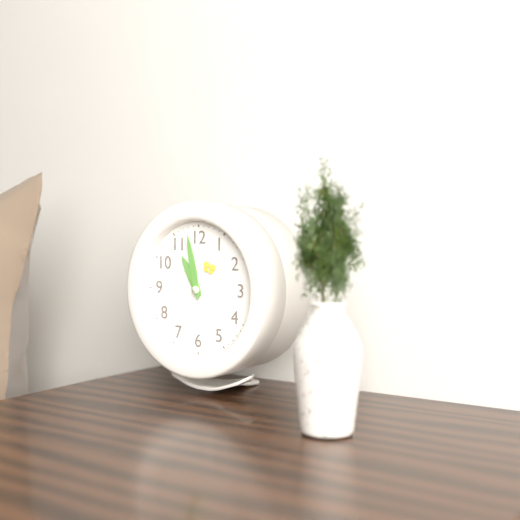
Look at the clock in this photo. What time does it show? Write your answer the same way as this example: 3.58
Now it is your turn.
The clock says 10.58
